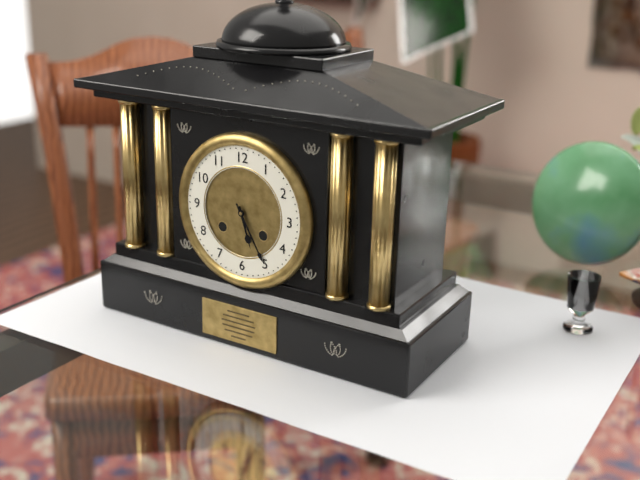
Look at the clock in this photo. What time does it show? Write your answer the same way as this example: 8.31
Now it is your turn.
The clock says 5.25
